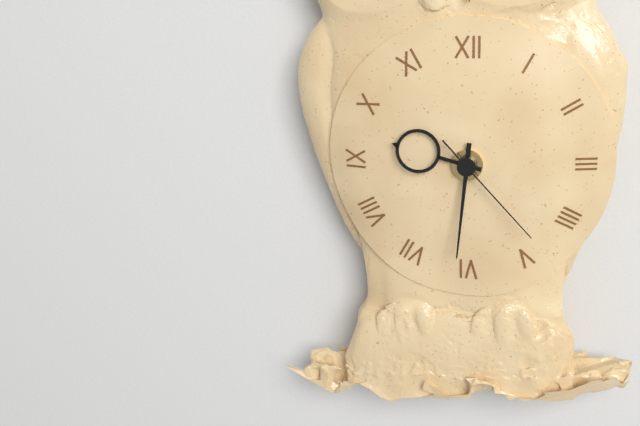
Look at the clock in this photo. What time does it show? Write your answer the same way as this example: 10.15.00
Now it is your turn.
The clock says 9.31.23
